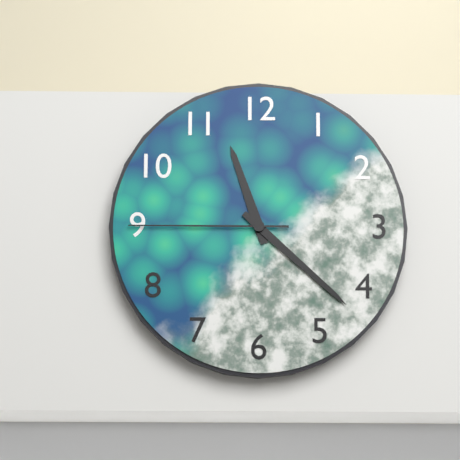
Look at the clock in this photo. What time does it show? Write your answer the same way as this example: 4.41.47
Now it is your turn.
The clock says 11.22.45
